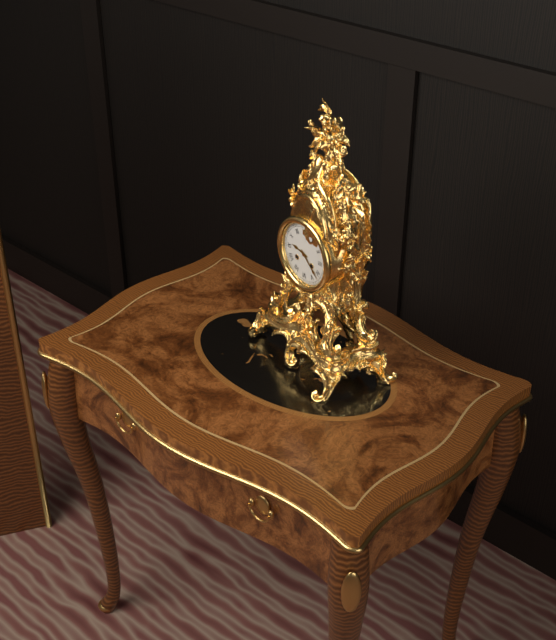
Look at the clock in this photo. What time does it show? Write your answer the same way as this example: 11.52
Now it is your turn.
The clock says 9.22
